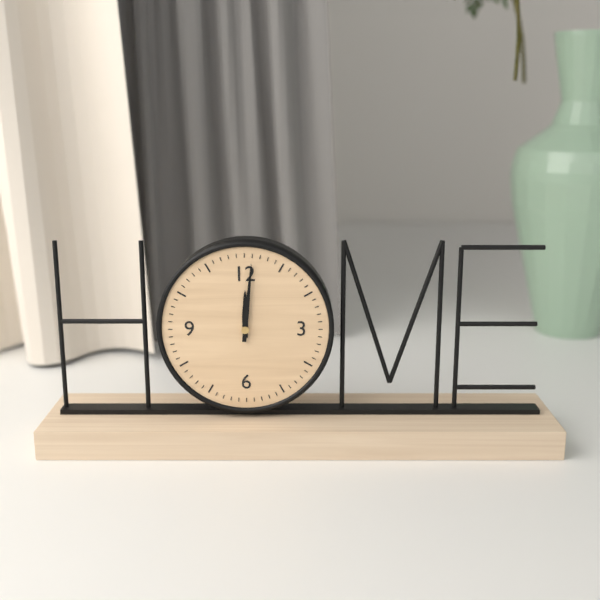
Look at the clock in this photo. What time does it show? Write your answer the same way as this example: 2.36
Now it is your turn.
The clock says 12.01
